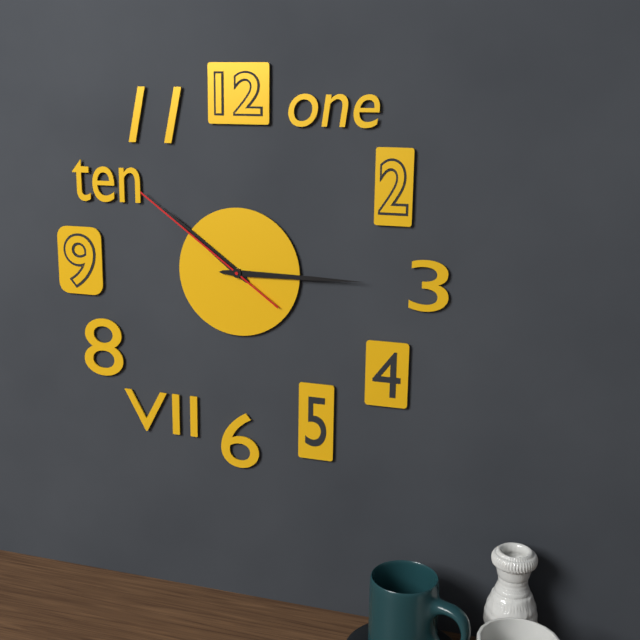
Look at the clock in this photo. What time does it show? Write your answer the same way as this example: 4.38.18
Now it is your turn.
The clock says 10.15.51
